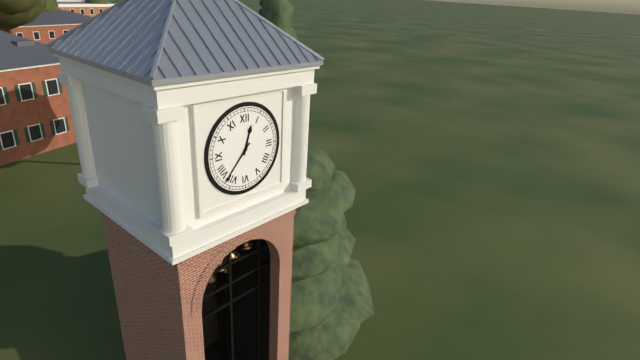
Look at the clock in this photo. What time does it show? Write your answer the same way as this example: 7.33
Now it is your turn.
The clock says 12.37
